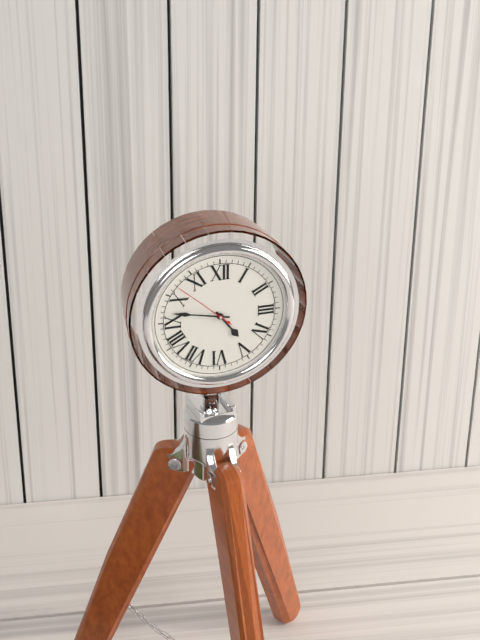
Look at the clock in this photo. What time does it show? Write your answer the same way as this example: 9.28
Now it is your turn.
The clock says 4.47
